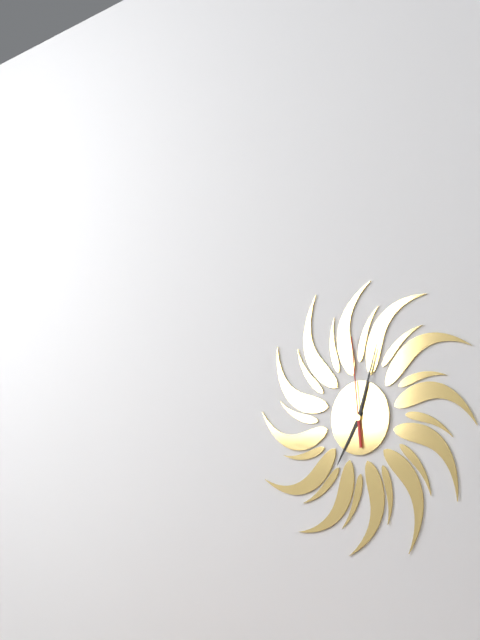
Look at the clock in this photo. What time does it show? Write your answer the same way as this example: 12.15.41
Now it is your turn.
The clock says 7.03.59
